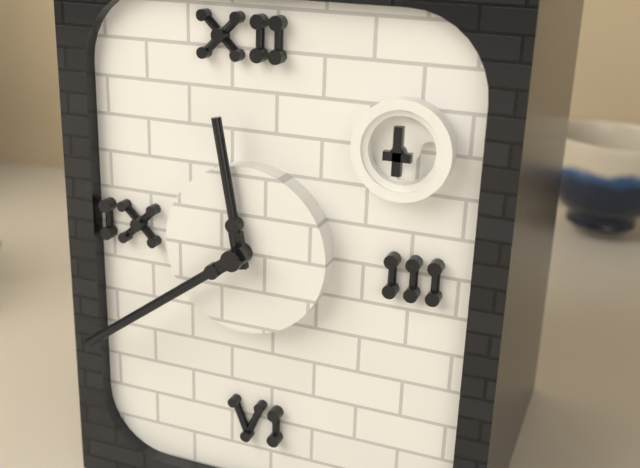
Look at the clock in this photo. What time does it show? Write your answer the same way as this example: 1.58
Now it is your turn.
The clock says 11.39
